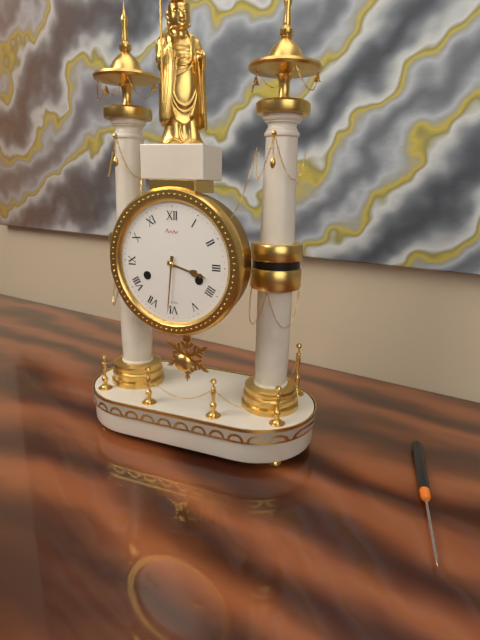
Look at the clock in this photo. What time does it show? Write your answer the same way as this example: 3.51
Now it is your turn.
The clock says 3.31
